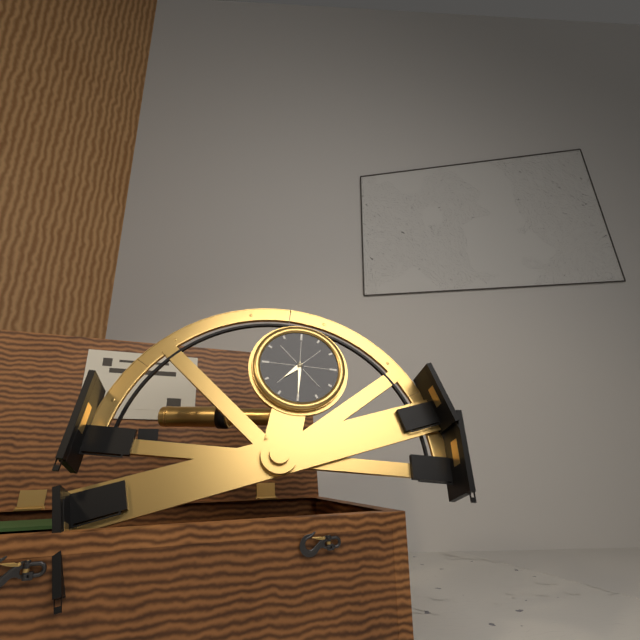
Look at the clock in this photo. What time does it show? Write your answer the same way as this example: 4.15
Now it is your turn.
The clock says 7.30
